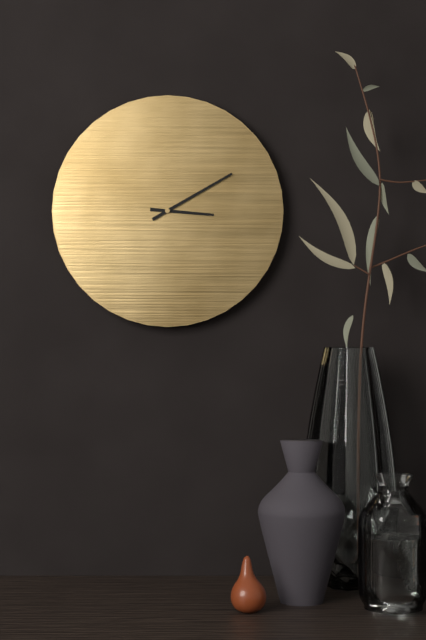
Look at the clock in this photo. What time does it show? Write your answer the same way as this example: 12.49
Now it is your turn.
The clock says 3.10
